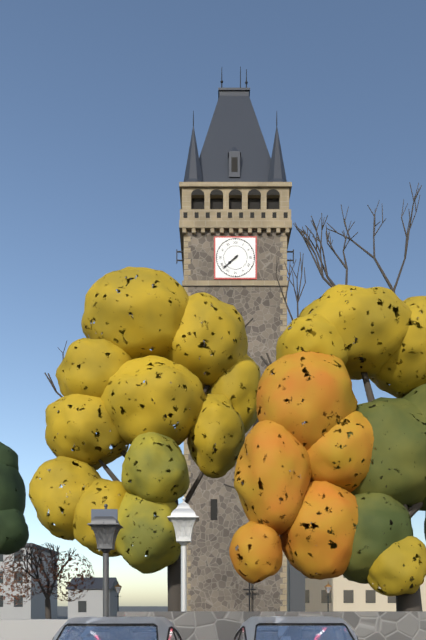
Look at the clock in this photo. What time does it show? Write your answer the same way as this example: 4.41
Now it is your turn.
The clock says 7.38
